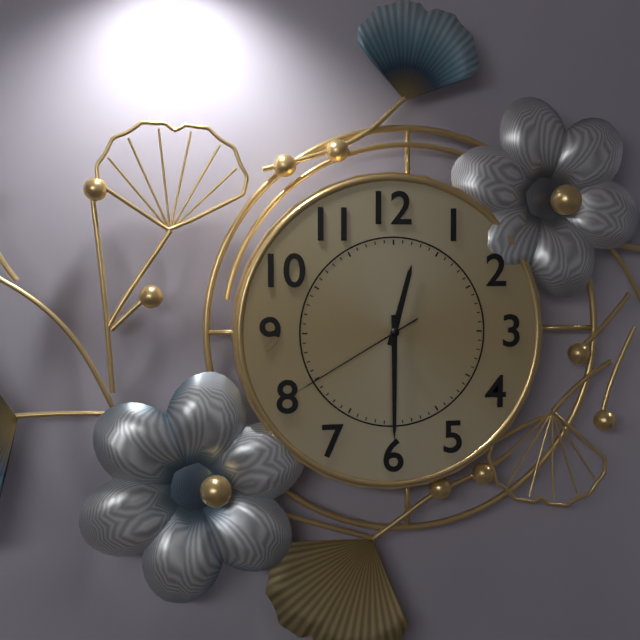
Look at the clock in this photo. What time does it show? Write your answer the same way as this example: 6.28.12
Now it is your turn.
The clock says 12.30.40
